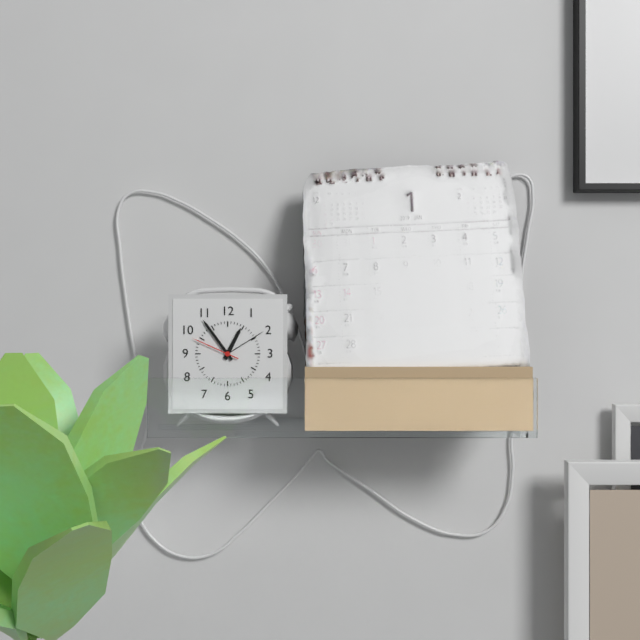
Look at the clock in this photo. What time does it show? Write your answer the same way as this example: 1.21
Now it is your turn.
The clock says 12.54
